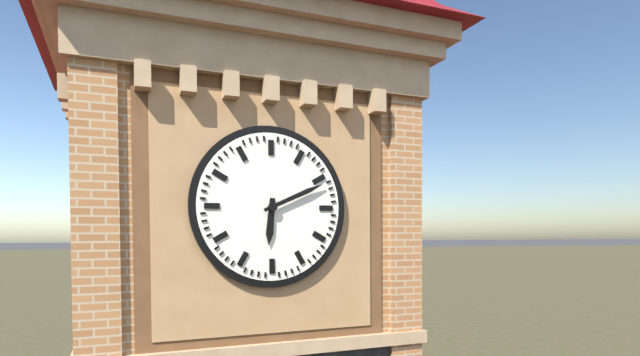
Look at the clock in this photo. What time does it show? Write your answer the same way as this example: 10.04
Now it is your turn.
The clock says 6.11
